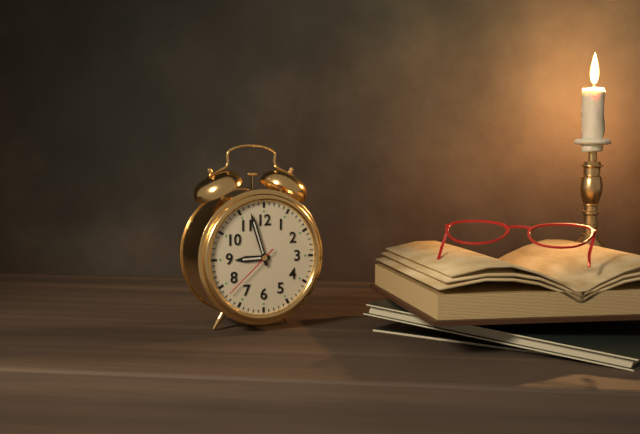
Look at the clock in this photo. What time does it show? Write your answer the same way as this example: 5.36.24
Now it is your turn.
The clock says 8.57.38
